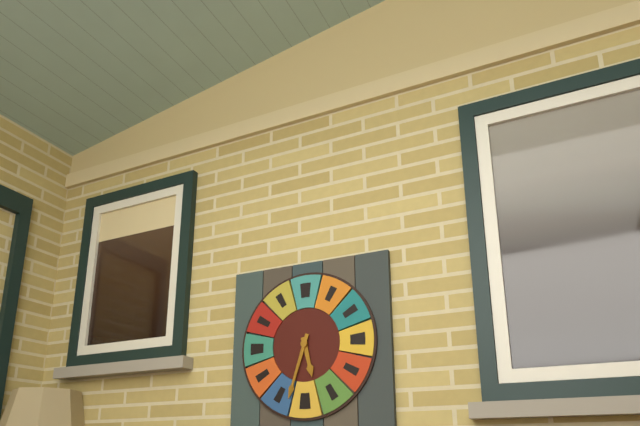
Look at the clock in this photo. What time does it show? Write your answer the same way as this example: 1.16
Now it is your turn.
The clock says 5.33
